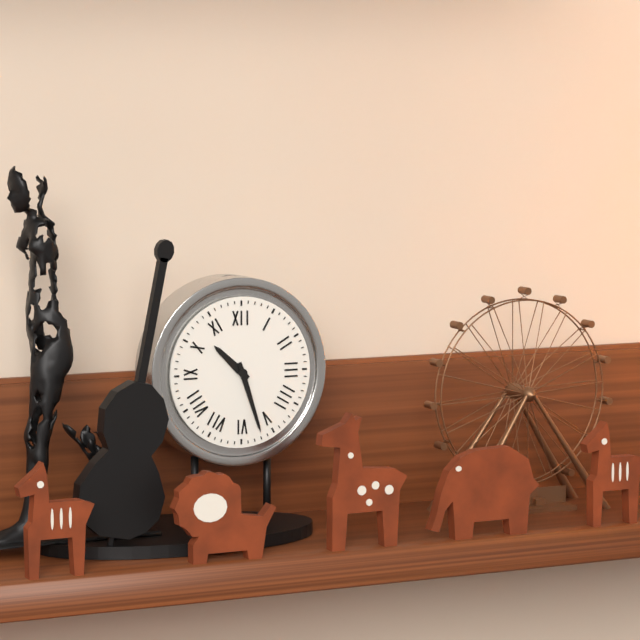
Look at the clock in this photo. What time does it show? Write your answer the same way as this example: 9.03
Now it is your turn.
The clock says 10.27
